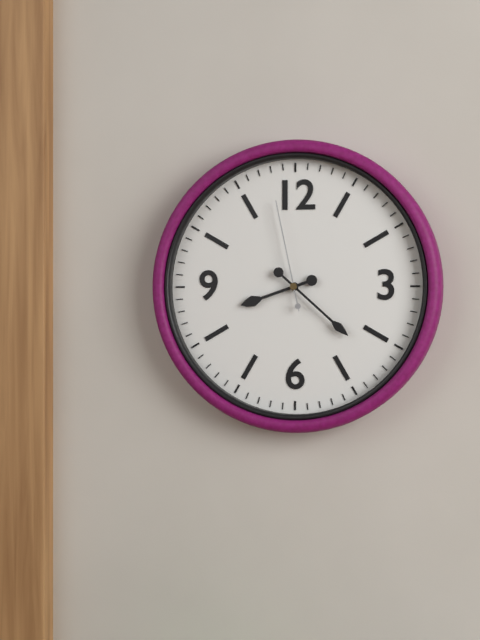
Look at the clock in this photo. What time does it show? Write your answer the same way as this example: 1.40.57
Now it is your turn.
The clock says 8.22.58
